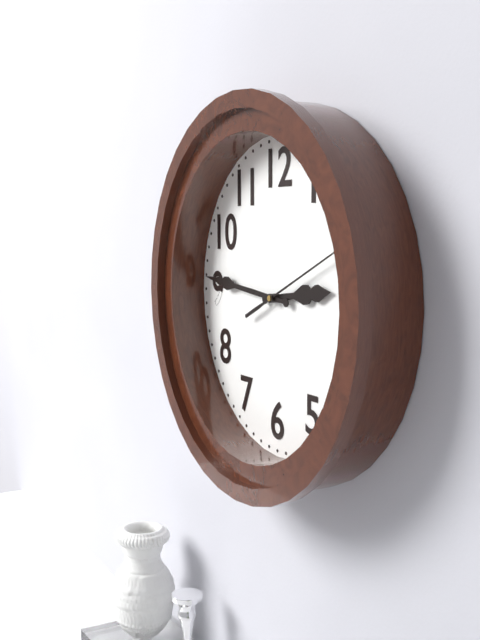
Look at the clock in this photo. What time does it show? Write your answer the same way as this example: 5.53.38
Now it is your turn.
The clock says 2.46.11
